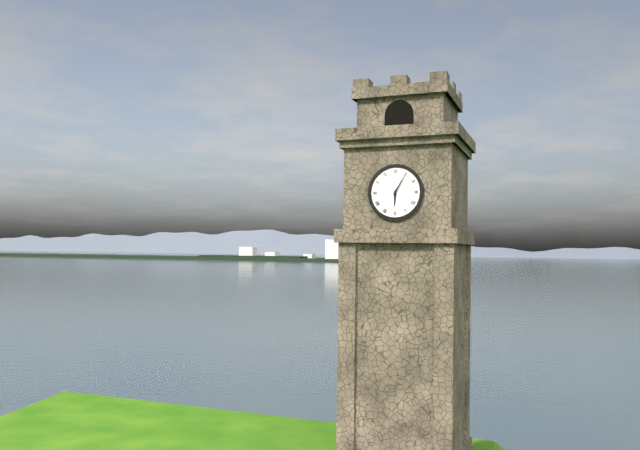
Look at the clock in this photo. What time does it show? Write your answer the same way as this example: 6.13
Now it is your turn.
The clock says 6.05
